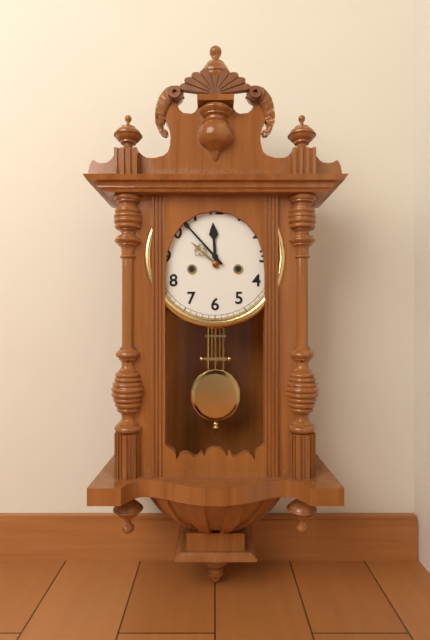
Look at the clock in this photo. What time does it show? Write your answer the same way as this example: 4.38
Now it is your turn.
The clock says 11.53
